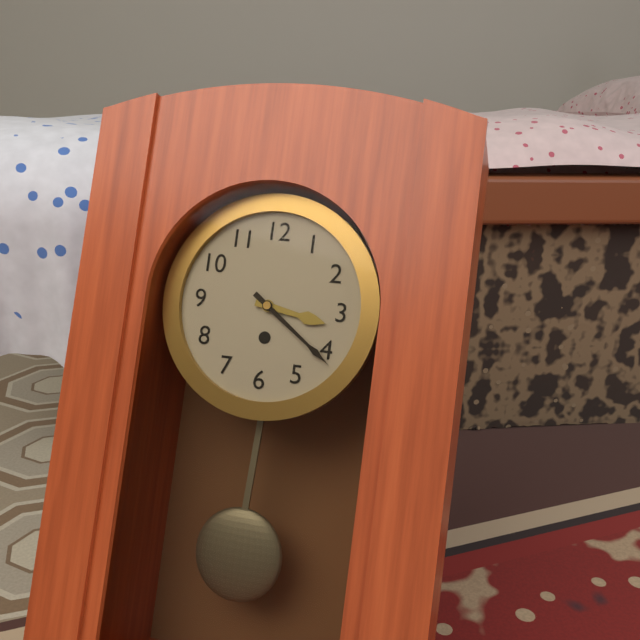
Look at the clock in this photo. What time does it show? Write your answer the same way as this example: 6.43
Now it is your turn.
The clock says 3.21
